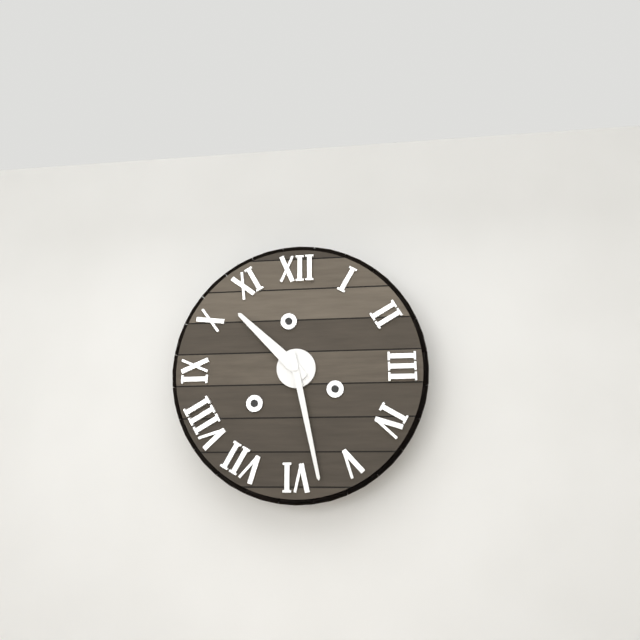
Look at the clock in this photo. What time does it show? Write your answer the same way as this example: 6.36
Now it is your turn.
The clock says 10.28
